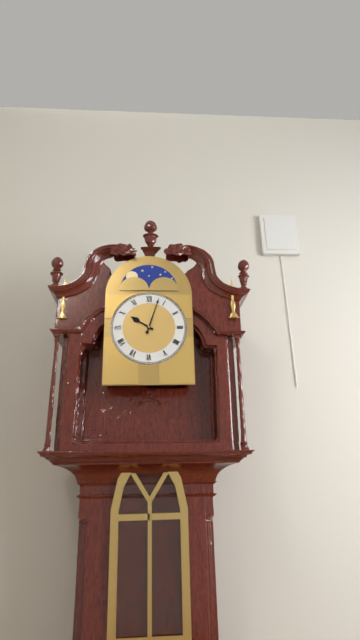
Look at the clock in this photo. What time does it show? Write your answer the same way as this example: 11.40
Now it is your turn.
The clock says 10.03
